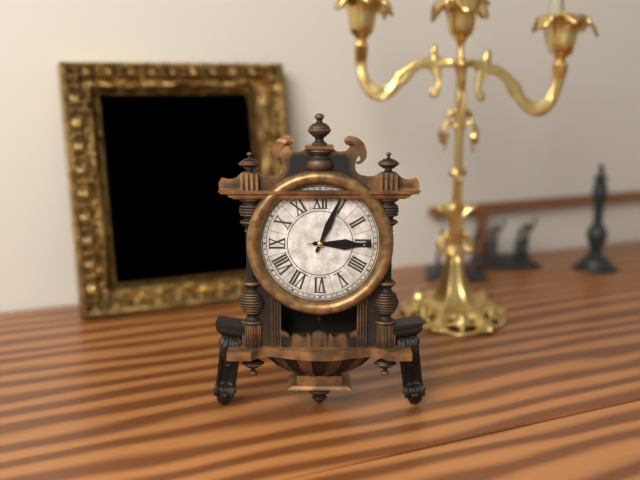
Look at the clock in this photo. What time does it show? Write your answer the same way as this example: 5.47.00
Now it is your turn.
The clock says 3.04.15
